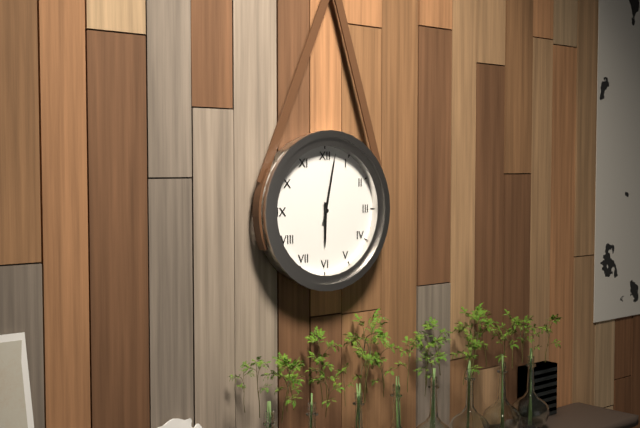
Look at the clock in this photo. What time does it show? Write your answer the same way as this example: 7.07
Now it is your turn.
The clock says 6.02
